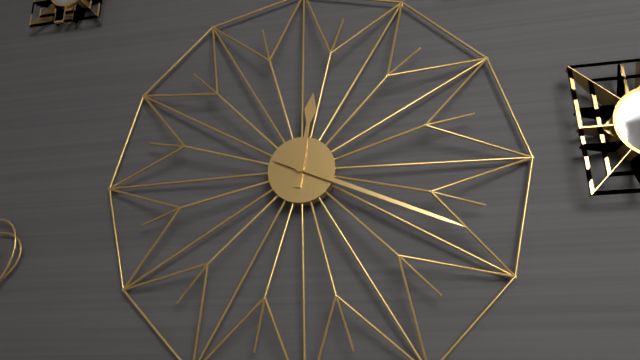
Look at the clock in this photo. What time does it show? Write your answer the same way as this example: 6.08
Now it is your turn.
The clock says 12.19
